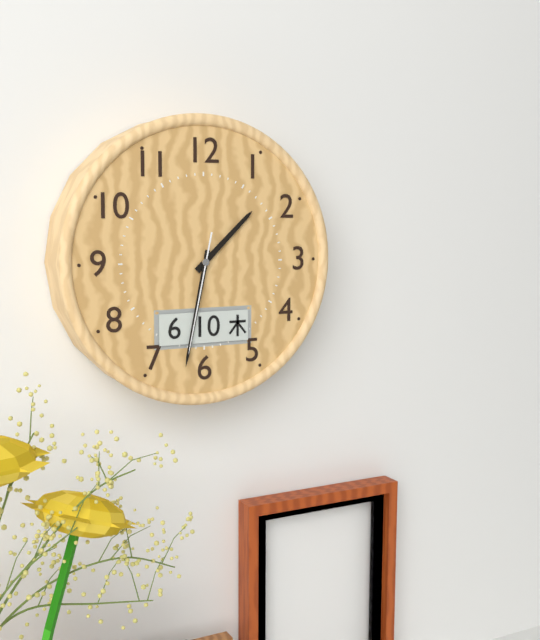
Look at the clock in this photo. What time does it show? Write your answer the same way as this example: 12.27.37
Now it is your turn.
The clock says 1.32.32
